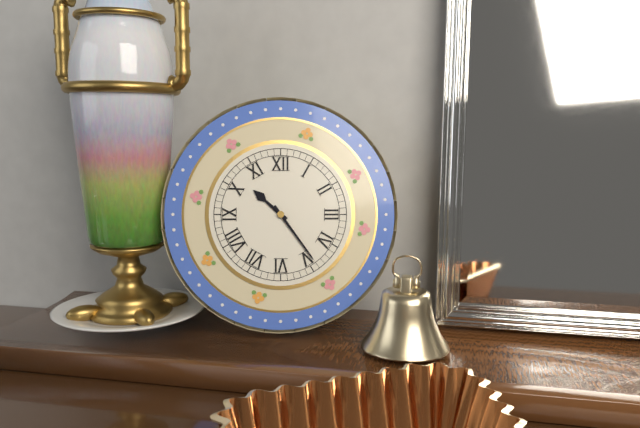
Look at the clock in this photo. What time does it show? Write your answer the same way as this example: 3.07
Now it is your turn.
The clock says 10.24
